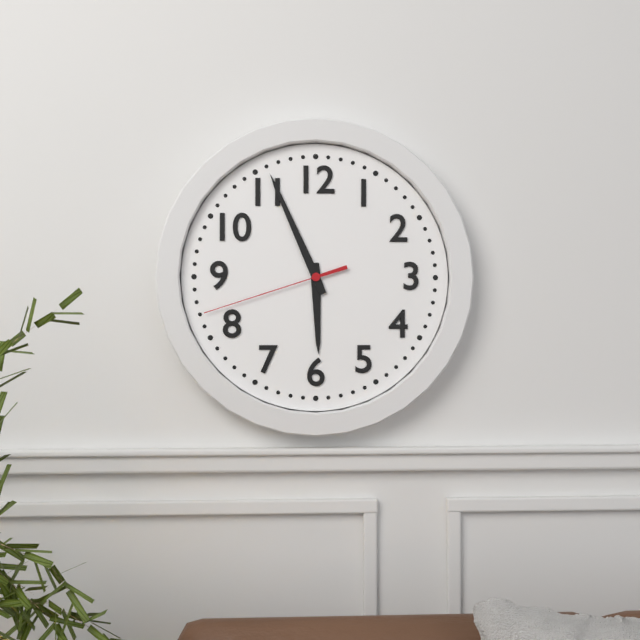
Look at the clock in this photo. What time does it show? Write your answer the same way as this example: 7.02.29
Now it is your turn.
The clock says 5.56.42
